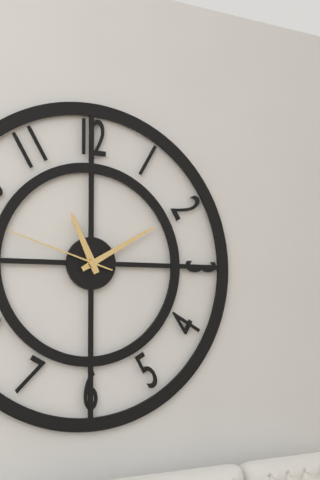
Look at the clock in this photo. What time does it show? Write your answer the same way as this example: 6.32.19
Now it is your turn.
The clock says 11.10.48
